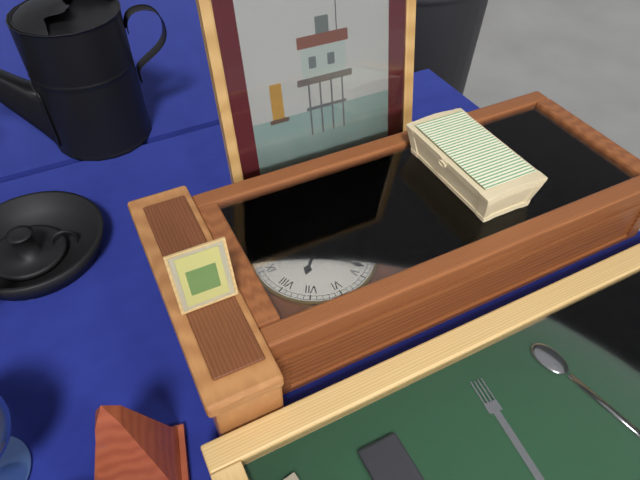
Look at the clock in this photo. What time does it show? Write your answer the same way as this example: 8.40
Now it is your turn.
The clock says 7.23
